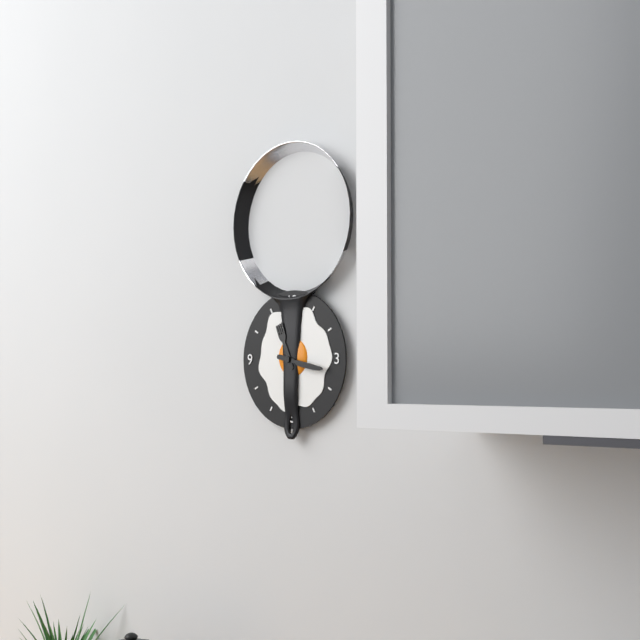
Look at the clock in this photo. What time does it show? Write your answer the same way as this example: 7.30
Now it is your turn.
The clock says 11.17
